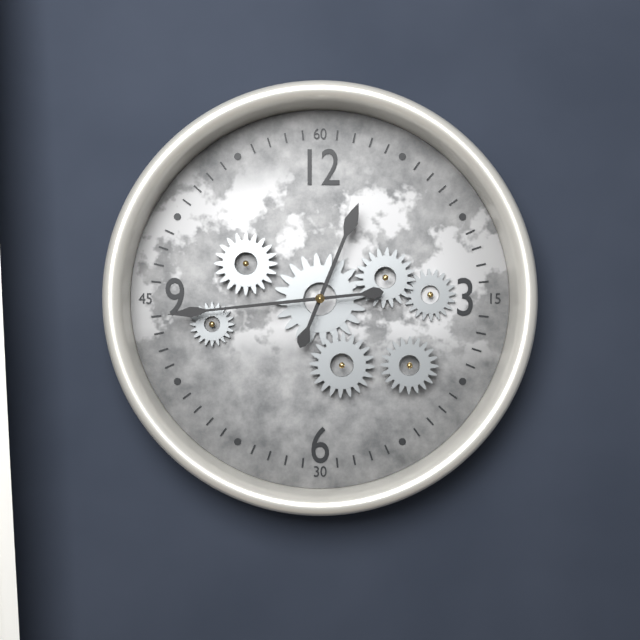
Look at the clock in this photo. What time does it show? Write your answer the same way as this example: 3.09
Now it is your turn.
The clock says 12.44
